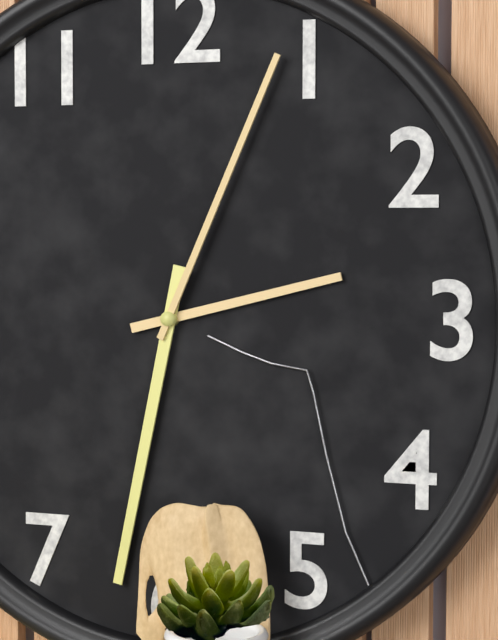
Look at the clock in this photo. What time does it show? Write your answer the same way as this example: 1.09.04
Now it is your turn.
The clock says 2.32.04
